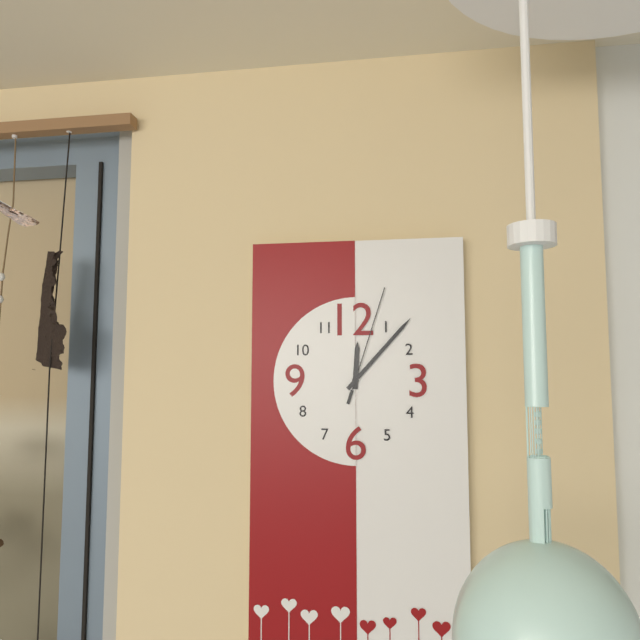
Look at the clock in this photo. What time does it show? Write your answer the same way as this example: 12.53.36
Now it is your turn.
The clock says 12.07.03
